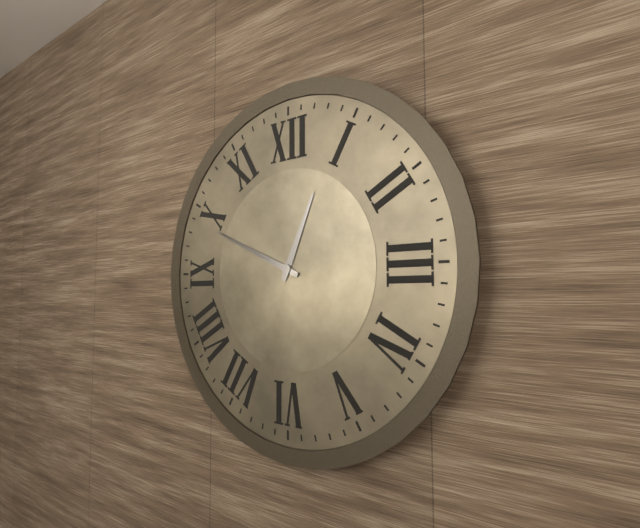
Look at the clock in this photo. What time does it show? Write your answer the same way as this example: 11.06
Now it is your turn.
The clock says 12.49
